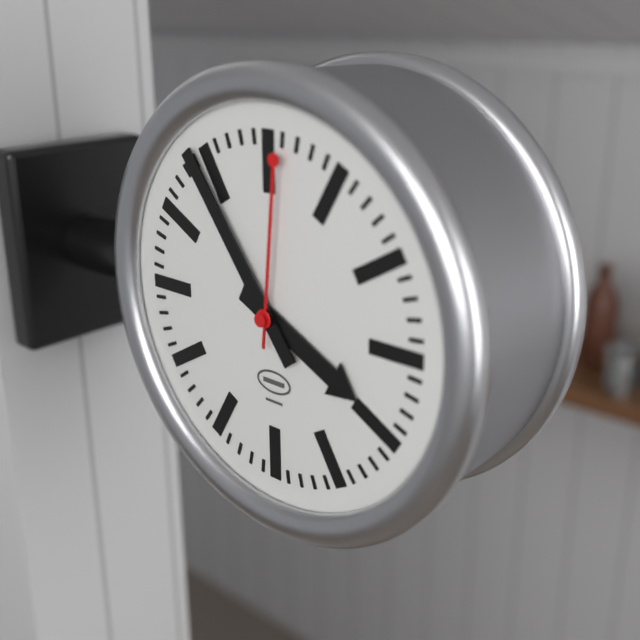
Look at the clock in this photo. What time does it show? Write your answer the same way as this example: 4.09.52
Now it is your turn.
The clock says 3.54.01
